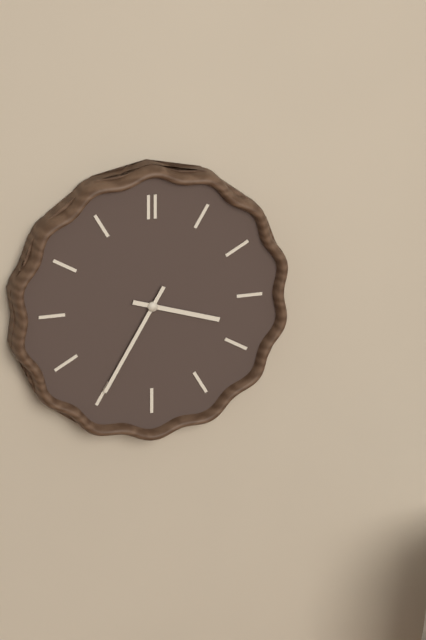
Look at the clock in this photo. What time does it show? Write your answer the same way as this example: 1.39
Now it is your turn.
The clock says 3.35
